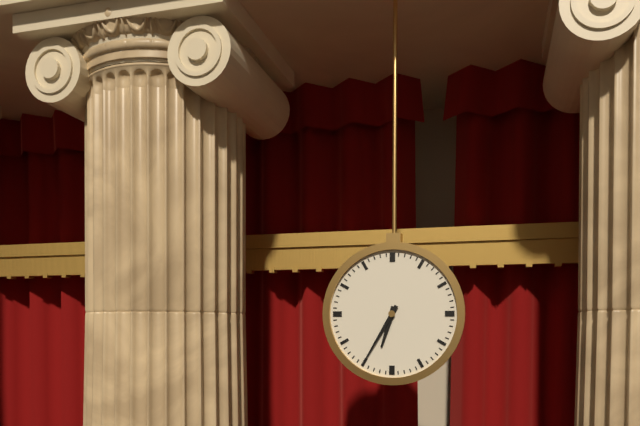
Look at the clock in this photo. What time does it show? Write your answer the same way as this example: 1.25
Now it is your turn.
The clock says 6.35
